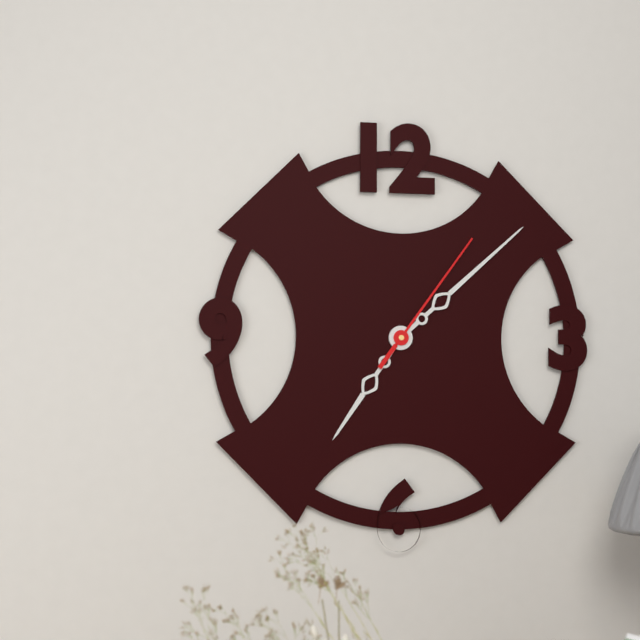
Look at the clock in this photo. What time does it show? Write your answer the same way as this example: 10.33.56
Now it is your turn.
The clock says 7.08.06
